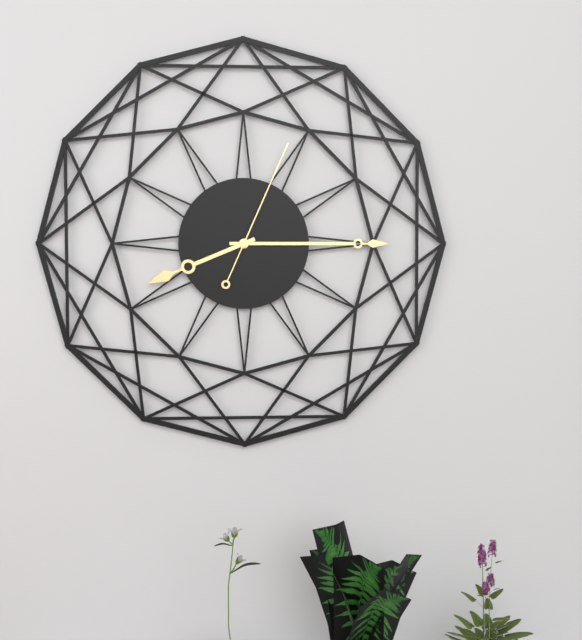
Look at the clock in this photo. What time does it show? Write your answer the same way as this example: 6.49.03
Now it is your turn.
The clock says 8.15.04
